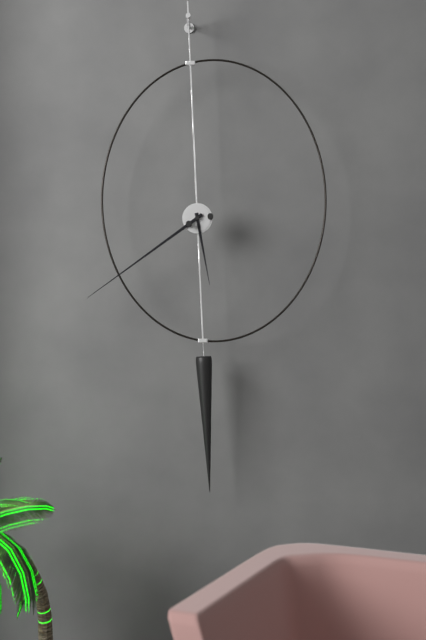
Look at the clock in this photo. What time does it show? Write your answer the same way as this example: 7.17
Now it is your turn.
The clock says 5.39
